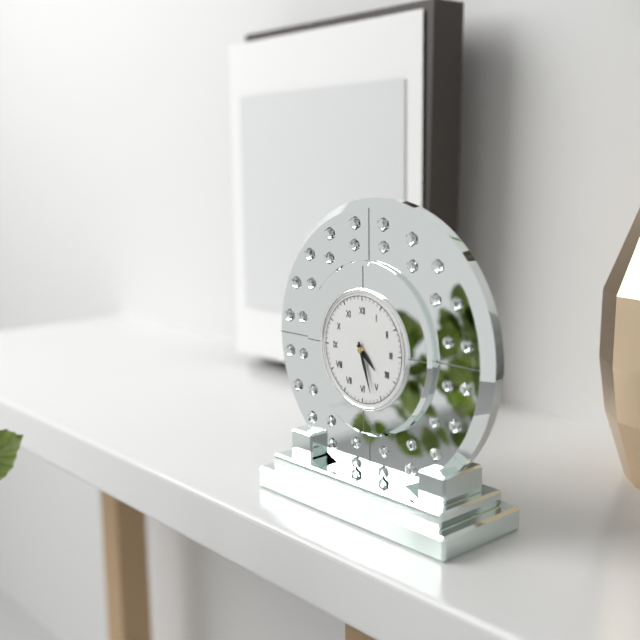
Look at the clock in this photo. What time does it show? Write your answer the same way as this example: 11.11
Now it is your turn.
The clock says 4.27
